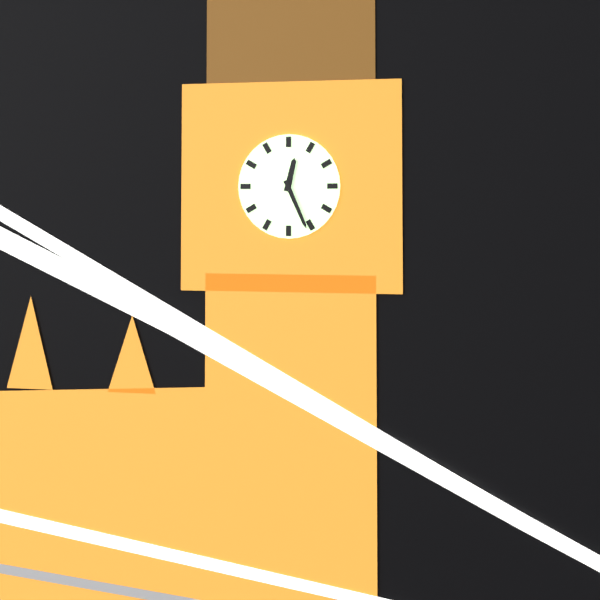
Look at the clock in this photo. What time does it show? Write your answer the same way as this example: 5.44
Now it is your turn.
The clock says 12.26
